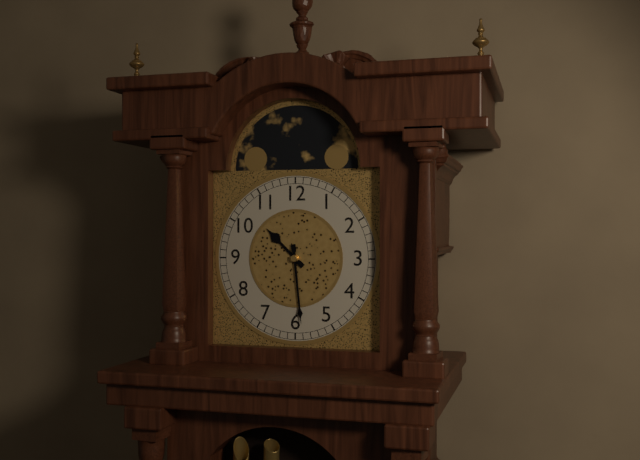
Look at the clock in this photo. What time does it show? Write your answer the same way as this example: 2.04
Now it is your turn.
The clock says 10.29
